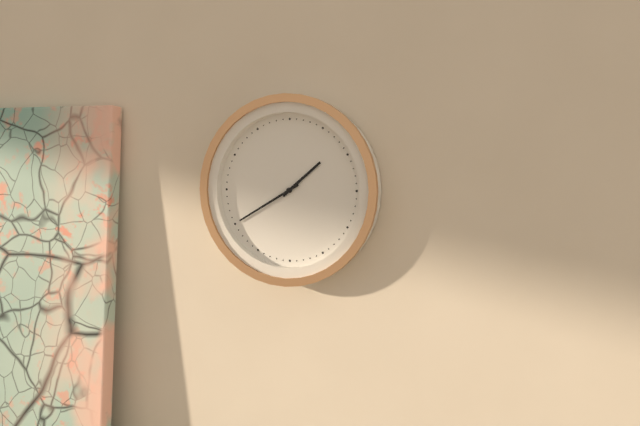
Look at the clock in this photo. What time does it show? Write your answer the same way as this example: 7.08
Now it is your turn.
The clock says 1.40
